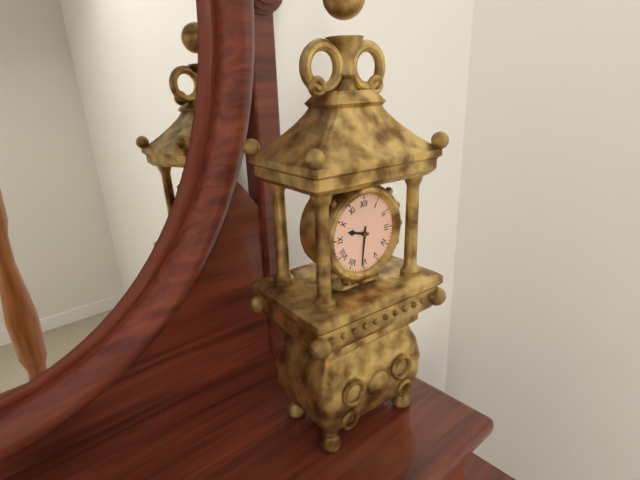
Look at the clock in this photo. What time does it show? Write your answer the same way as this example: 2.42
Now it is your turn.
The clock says 9.31
